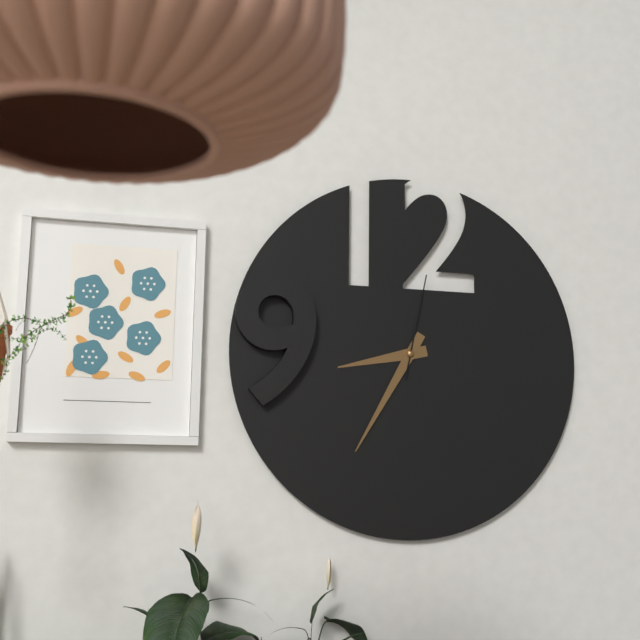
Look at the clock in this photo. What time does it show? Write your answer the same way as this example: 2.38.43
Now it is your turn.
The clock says 8.35.02
